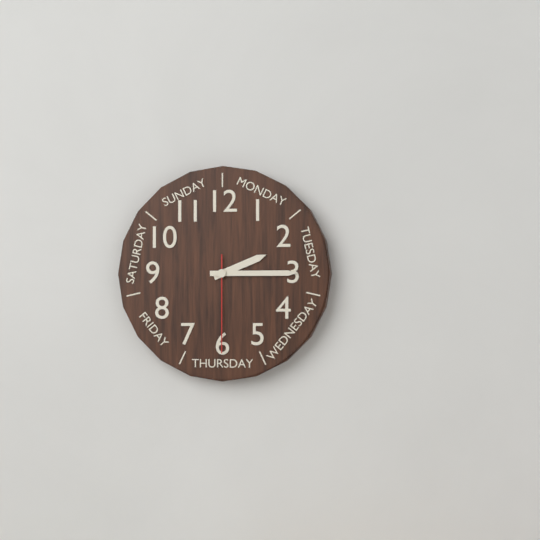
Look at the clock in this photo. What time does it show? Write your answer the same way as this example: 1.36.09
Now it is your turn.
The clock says 2.15.30
